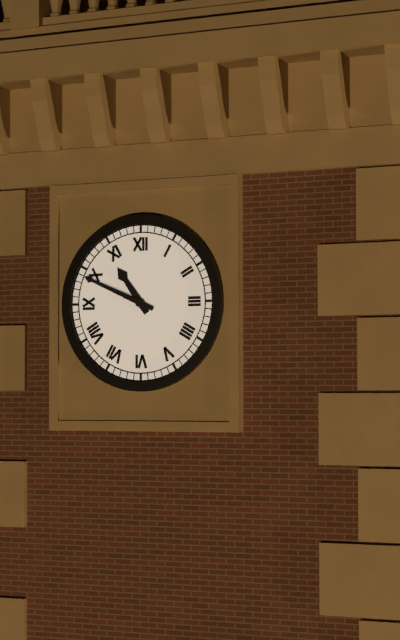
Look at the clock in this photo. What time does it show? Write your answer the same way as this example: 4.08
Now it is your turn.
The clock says 10.49
